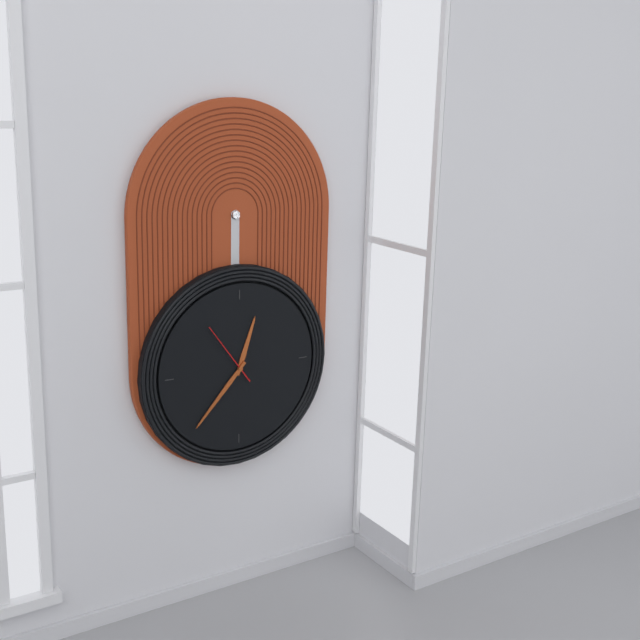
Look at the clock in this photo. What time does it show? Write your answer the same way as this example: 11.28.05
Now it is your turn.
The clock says 12.37.54
